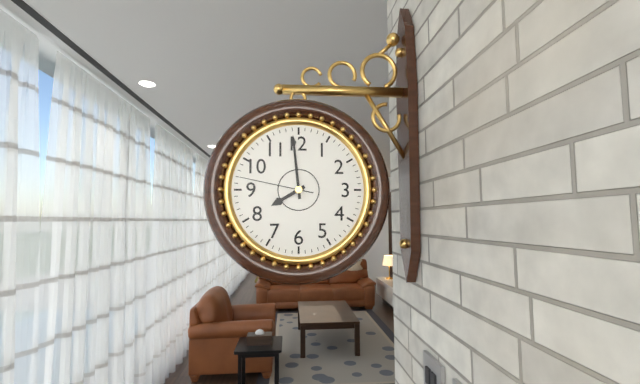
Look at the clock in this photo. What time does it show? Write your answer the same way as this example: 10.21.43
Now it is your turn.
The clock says 7.59.47
